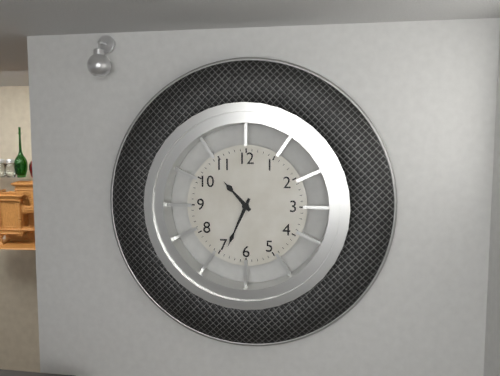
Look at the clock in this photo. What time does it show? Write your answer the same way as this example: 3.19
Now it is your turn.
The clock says 10.34
